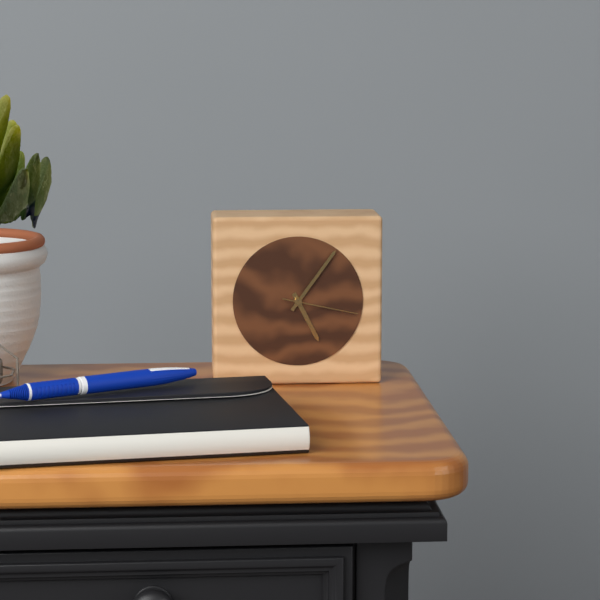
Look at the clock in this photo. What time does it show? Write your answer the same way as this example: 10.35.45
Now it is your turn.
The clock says 5.06.17
